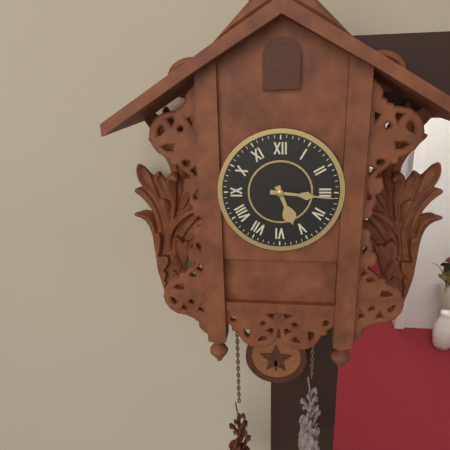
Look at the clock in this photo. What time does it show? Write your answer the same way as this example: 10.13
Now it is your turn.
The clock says 5.16
